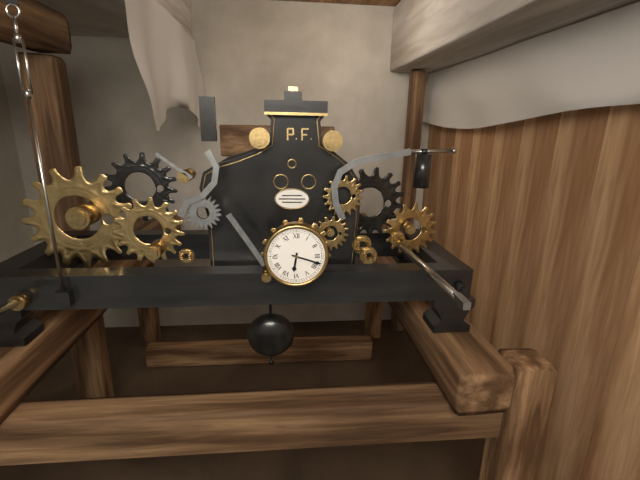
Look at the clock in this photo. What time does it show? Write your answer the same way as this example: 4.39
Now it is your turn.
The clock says 6.18
